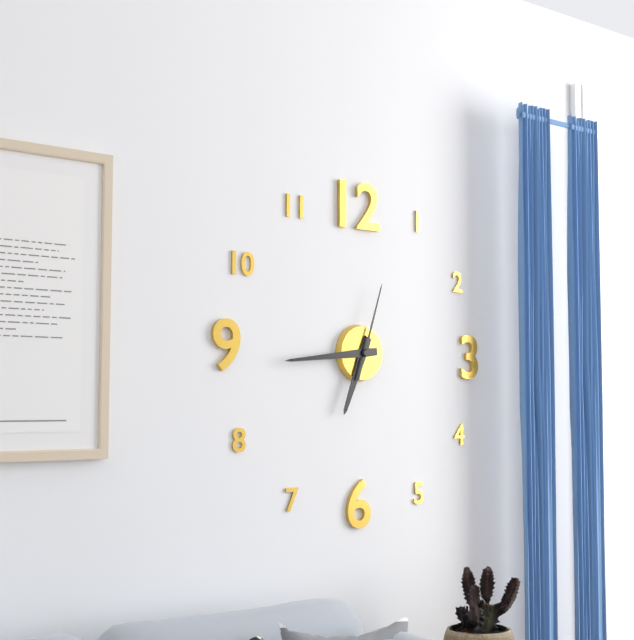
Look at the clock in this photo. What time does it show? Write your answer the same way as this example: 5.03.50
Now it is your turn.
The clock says 6.44.03
